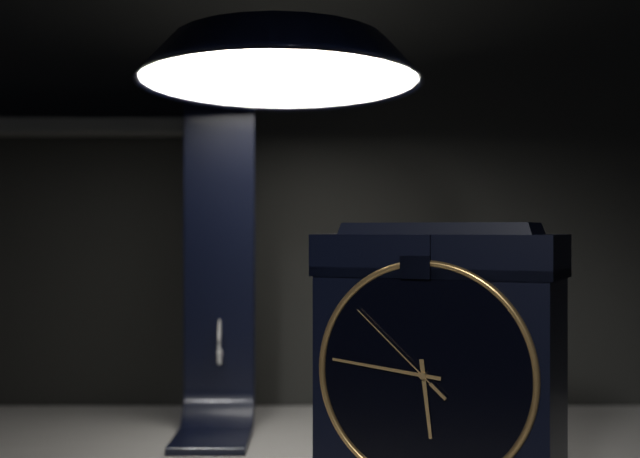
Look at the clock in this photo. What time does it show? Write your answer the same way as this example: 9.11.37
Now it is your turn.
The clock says 5.46.52
